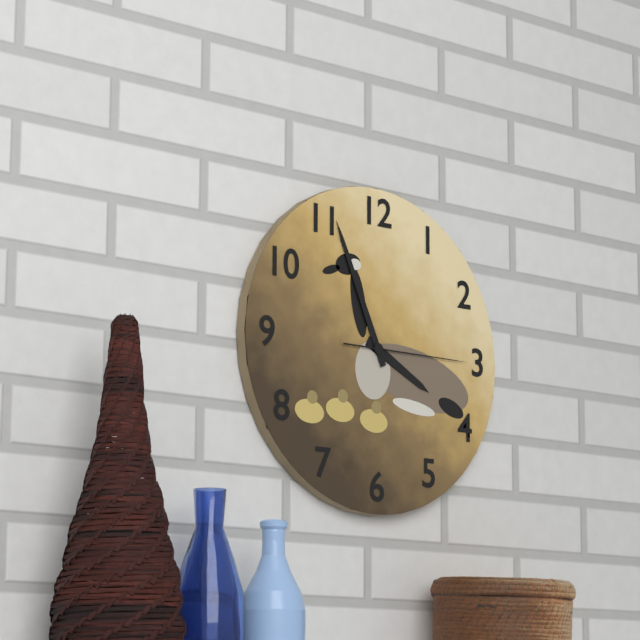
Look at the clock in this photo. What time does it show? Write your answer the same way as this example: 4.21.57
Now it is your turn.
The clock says 3.56.15
